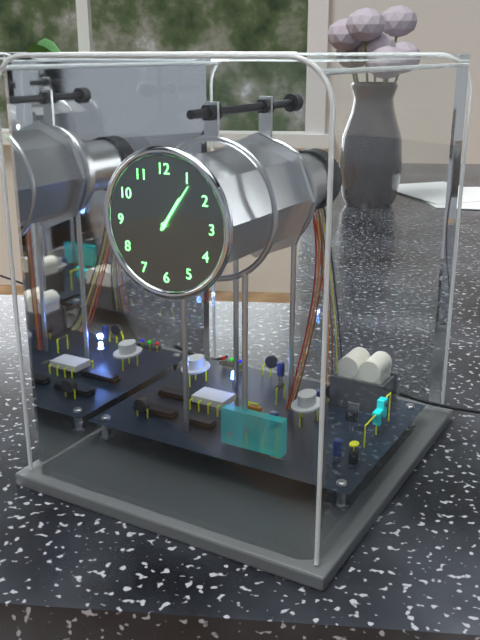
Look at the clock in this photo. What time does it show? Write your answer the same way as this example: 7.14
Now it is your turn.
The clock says 1.06
